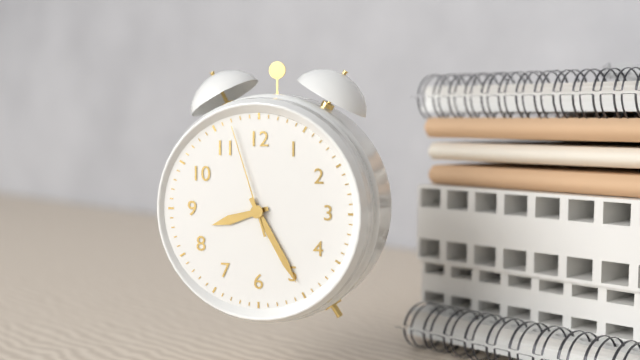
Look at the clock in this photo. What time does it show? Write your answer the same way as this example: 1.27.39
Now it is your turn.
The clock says 8.25.57
